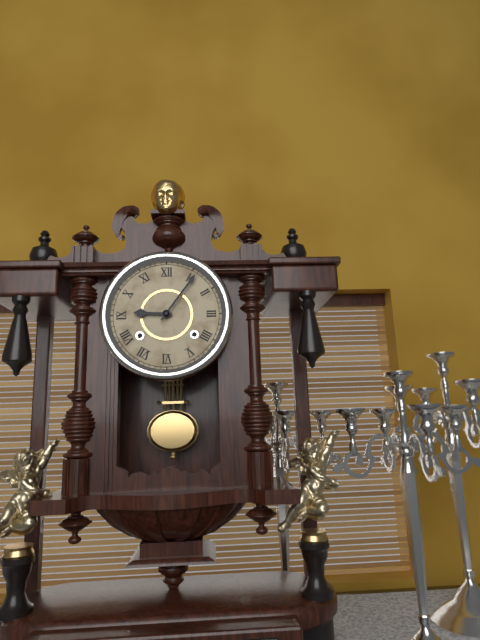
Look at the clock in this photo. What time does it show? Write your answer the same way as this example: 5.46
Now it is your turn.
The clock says 9.06
